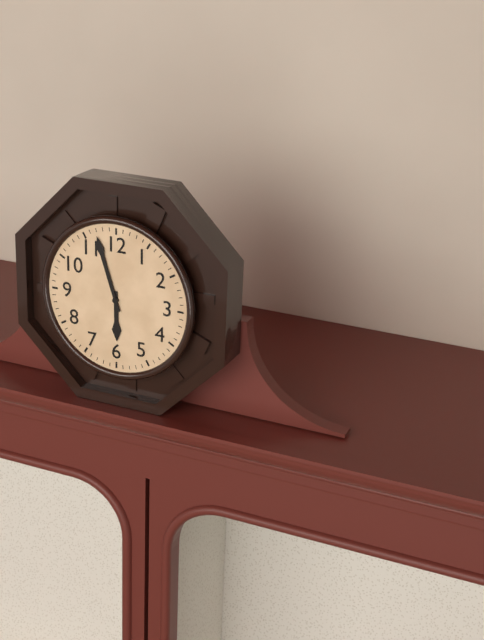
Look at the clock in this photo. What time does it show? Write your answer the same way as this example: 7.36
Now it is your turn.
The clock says 5.57
